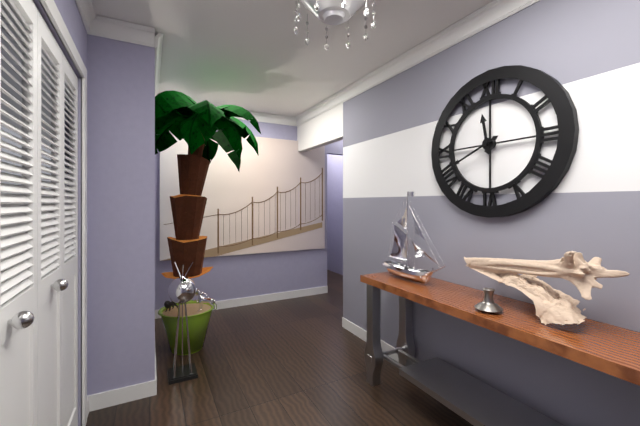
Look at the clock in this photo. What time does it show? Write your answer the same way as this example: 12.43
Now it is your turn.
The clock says 11.41
